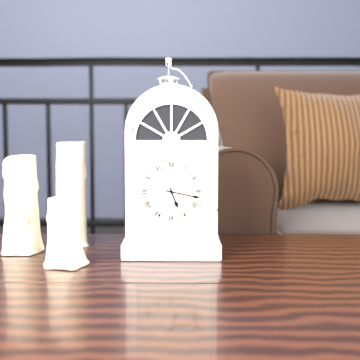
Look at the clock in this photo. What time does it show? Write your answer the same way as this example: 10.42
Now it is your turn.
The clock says 5.17
